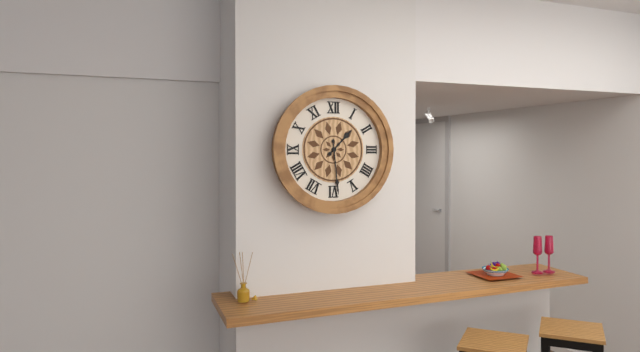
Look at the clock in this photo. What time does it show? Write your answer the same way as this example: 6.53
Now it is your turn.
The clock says 1.29
